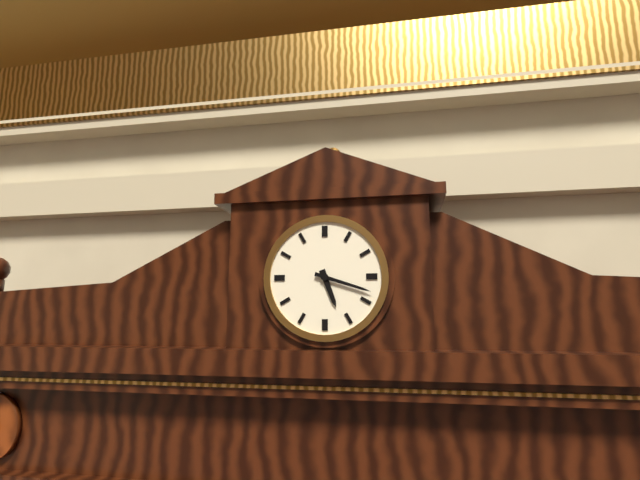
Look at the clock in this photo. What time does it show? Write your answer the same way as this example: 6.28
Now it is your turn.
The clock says 5.18
